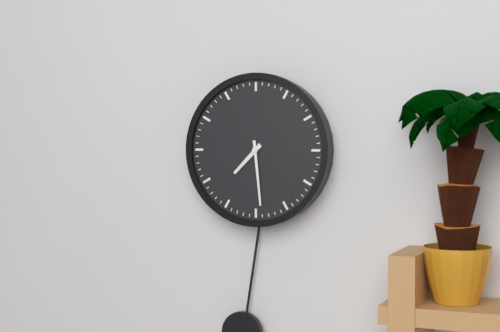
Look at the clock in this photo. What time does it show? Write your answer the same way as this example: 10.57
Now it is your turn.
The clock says 7.29
